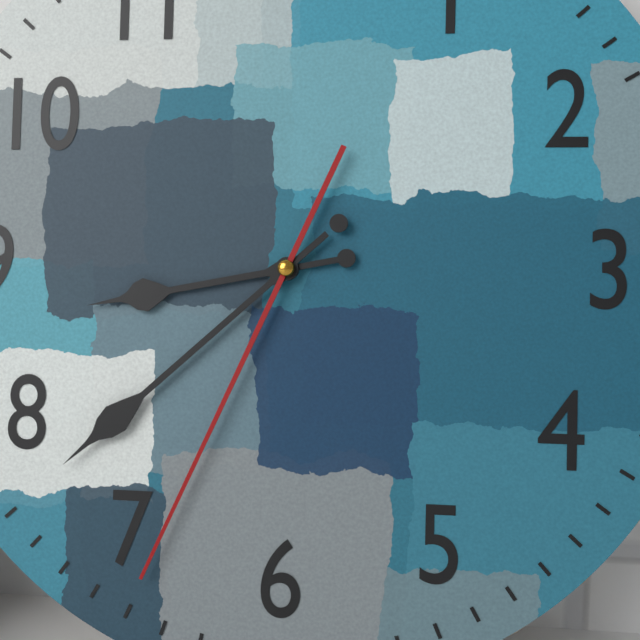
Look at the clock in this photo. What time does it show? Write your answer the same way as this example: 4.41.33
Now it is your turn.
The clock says 8.38.34
